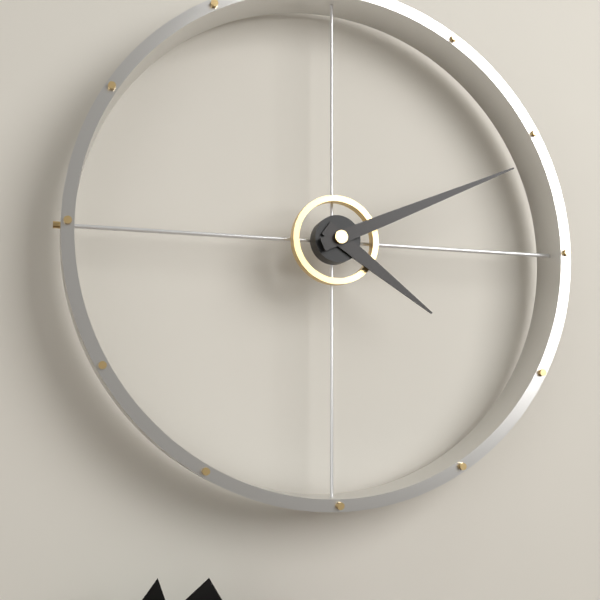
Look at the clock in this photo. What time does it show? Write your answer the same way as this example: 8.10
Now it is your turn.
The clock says 4.11
